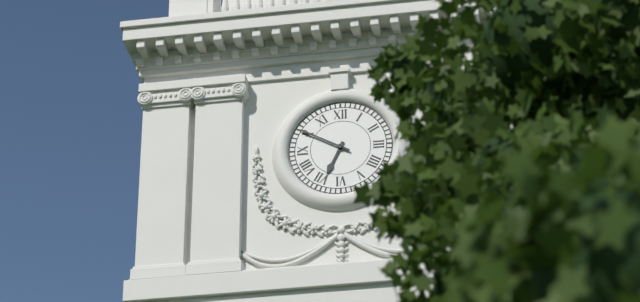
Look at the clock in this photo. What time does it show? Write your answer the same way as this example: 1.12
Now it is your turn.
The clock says 6.50
